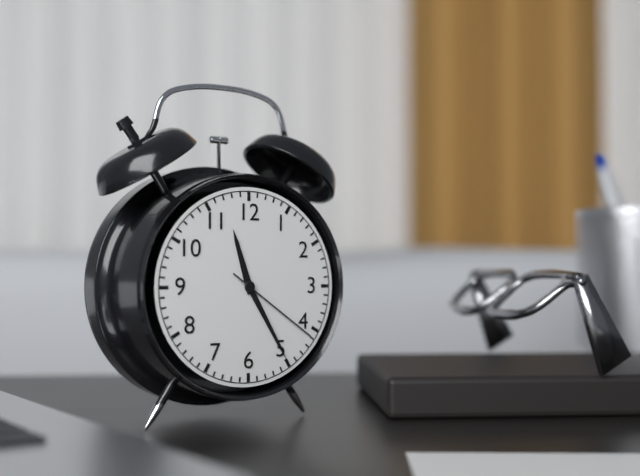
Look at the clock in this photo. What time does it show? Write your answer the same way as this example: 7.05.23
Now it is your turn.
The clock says 11.25.21
